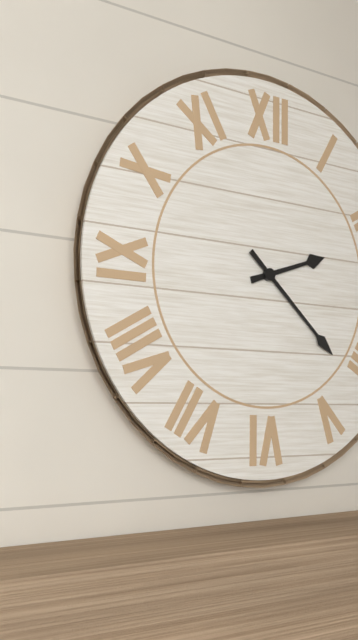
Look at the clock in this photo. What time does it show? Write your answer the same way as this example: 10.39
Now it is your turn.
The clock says 2.22
